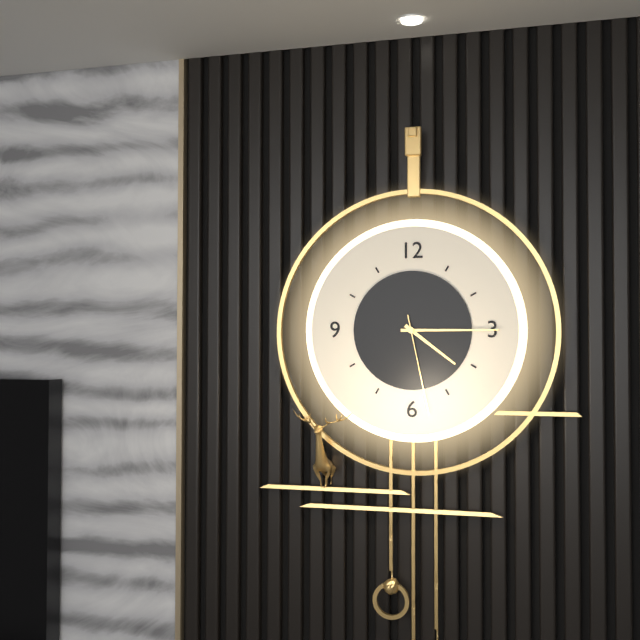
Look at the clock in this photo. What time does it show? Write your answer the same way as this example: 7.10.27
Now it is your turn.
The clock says 4.15.28
